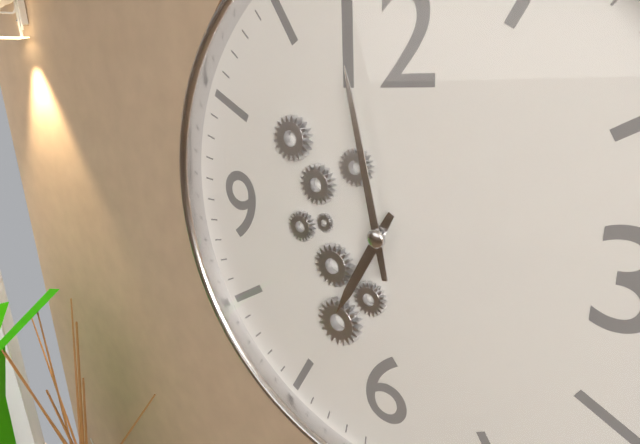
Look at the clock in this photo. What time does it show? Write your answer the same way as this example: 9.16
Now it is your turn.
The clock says 6.58
